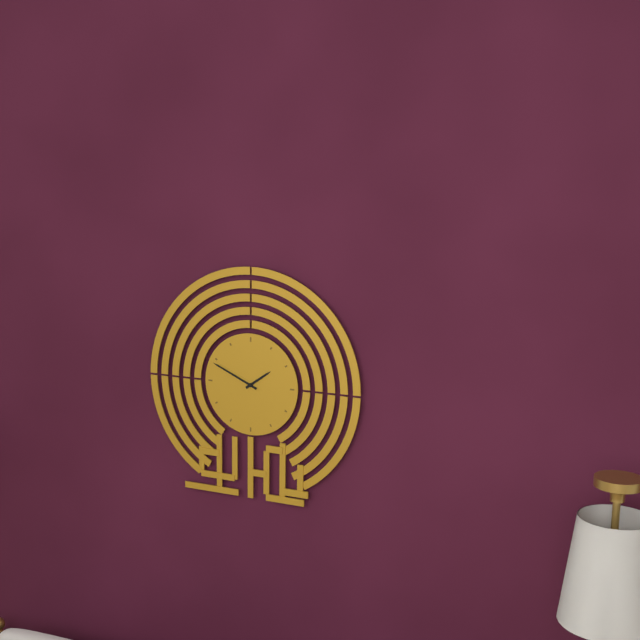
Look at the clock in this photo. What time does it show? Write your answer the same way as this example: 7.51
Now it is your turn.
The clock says 1.49
